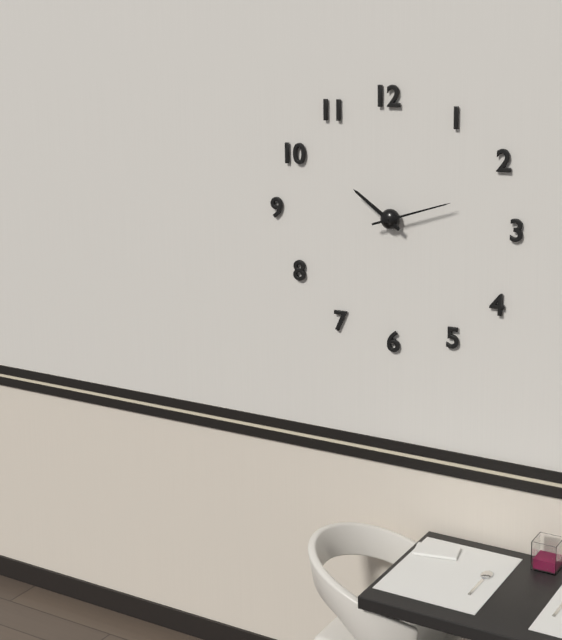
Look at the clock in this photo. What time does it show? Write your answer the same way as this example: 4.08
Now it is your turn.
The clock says 10.12
